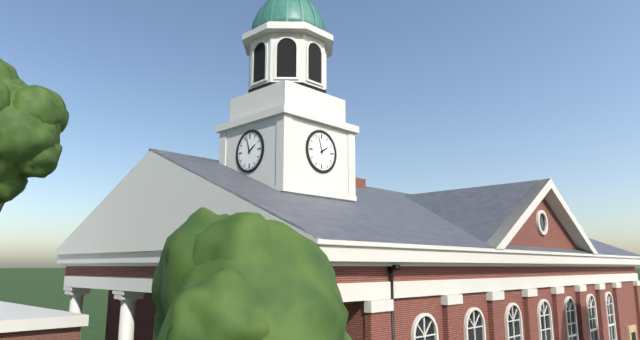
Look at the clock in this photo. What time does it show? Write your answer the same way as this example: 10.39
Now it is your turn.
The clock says 1.57
